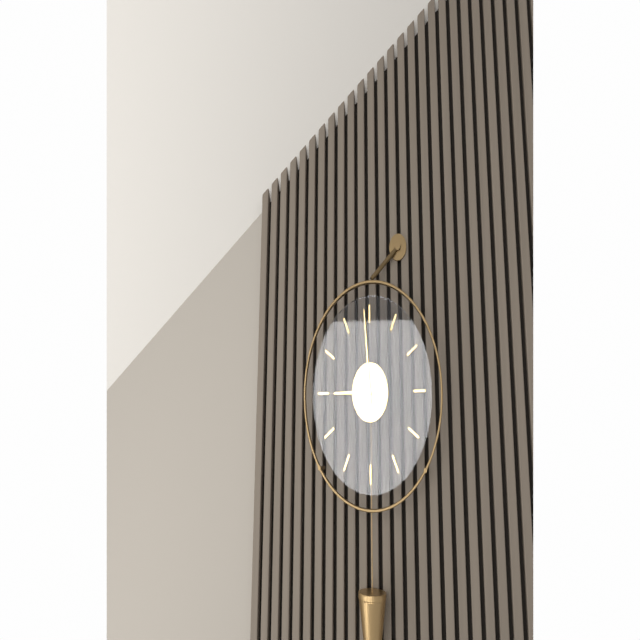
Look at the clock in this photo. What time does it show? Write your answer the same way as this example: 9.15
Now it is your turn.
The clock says 8.59
